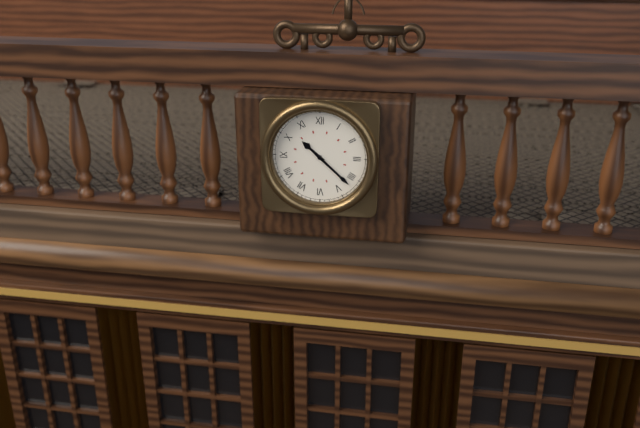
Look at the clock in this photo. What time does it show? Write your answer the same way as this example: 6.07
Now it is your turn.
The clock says 10.22
